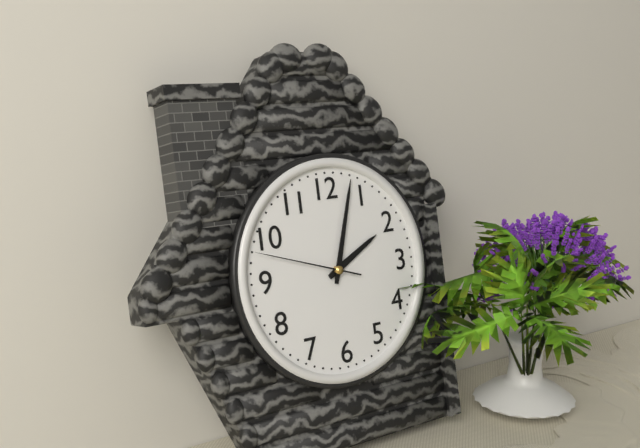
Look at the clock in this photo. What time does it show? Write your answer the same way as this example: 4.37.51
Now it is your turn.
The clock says 2.03.48
